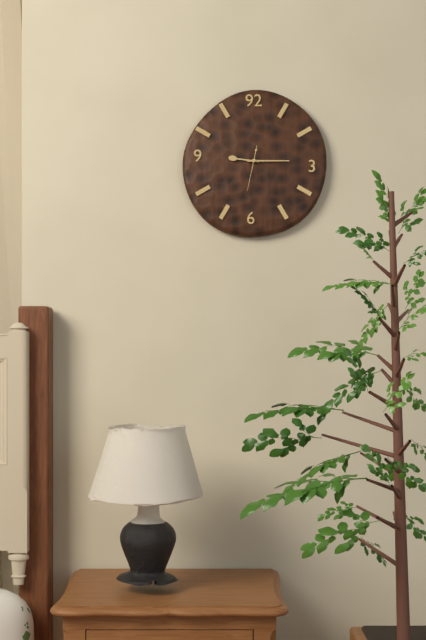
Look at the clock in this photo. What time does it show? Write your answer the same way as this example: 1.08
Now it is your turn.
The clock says 9.15
